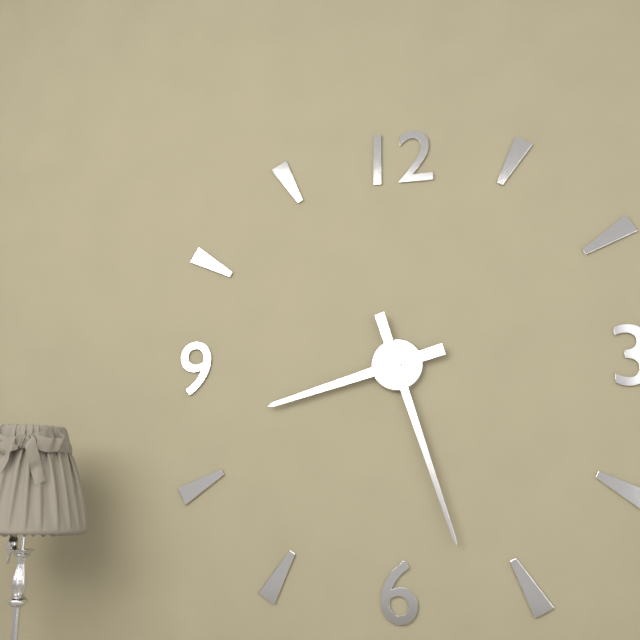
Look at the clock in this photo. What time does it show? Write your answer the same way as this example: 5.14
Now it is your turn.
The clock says 8.27
